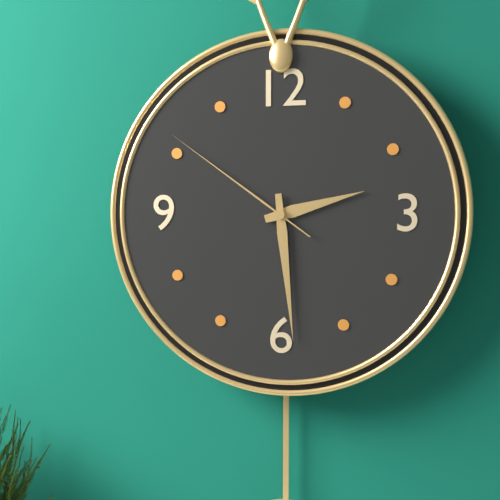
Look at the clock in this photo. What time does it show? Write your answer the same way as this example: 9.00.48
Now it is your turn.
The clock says 2.29.51
